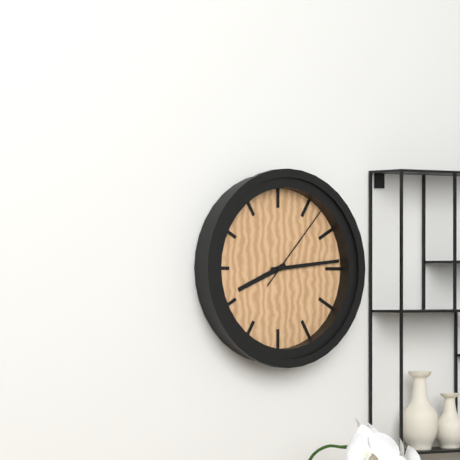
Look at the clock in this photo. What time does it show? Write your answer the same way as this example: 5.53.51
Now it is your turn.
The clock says 8.14.07
